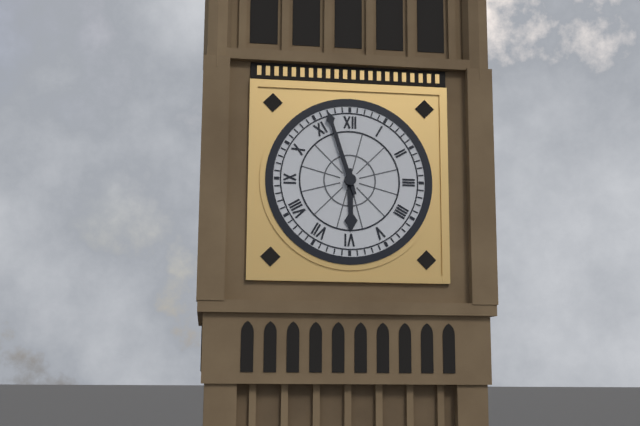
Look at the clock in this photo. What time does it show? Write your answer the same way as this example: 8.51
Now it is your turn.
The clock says 5.57
